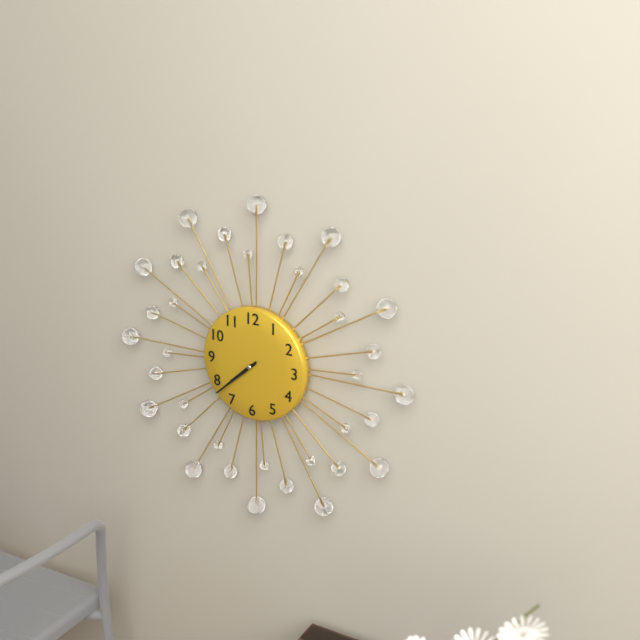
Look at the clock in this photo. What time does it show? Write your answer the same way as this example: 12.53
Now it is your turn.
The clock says 7.38
